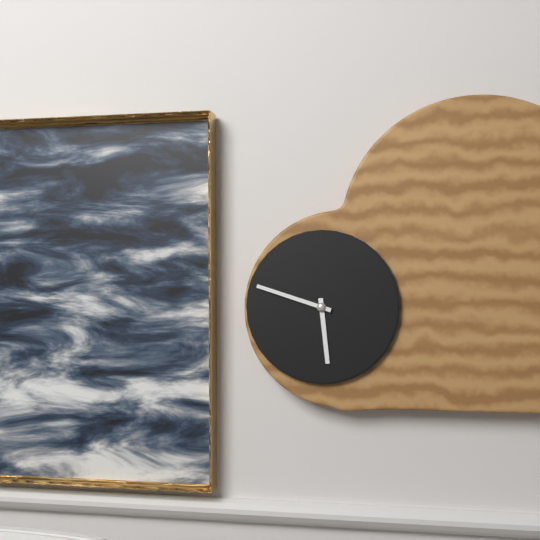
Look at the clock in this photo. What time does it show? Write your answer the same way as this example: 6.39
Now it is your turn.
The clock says 5.48
